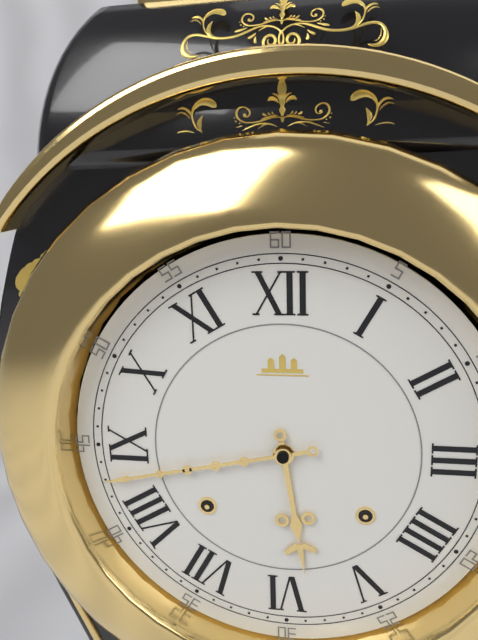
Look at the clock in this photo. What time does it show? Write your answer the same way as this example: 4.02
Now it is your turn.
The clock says 5.43
